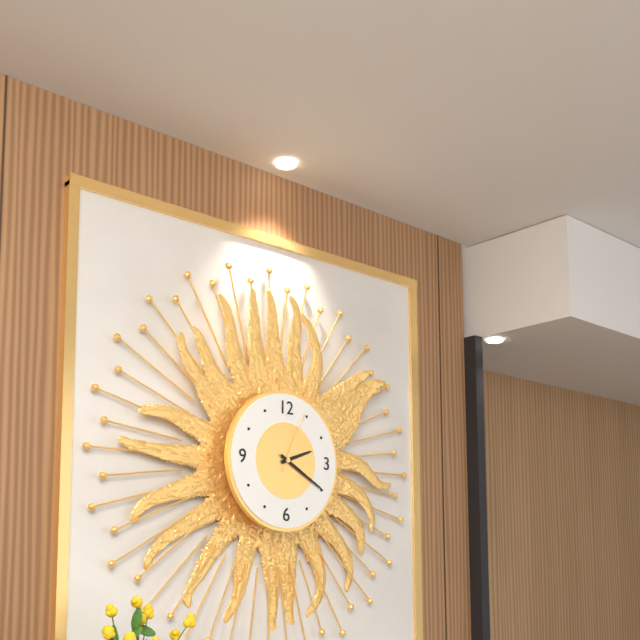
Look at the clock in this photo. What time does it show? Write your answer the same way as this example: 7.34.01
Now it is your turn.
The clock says 2.20.04
